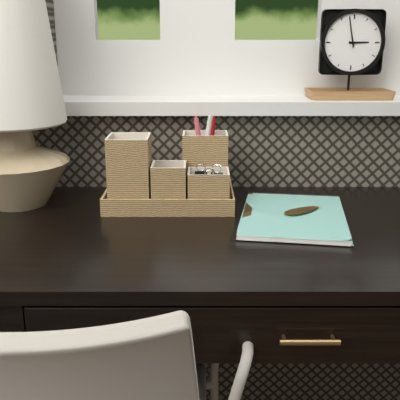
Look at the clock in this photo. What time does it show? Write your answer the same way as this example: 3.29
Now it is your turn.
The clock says 2.58
